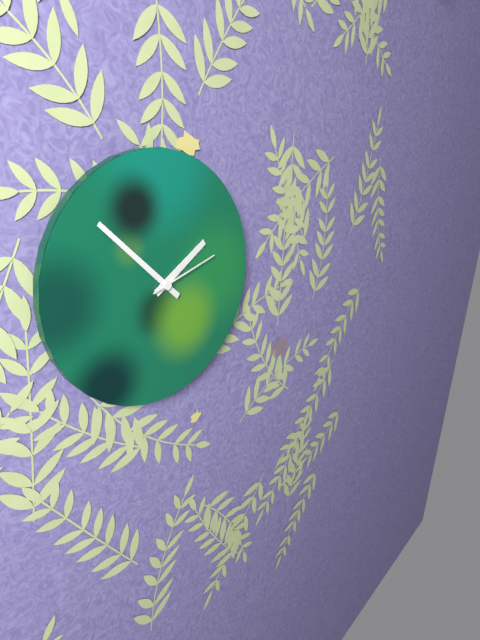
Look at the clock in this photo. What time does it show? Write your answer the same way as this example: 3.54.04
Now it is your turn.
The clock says 1.52.12
